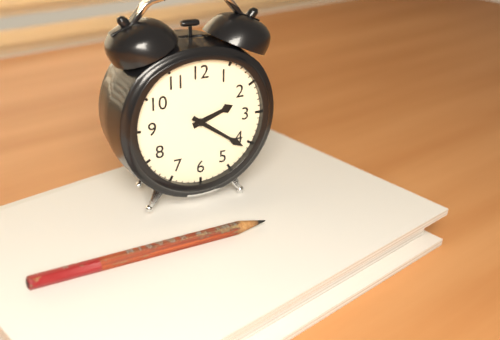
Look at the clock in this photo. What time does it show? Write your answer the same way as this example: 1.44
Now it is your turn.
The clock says 2.21
